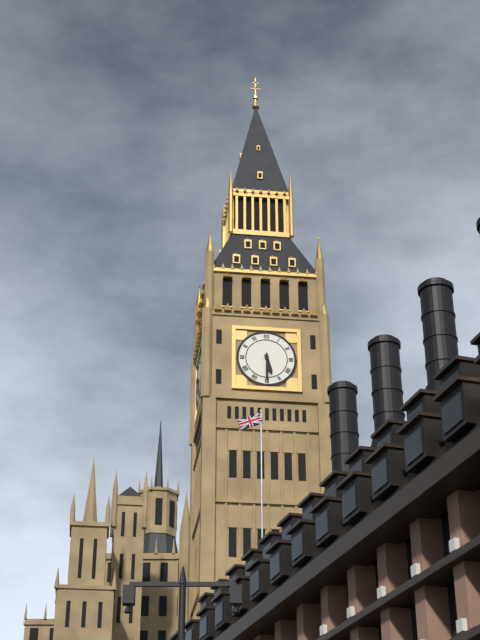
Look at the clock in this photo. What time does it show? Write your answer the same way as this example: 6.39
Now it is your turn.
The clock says 5.30
